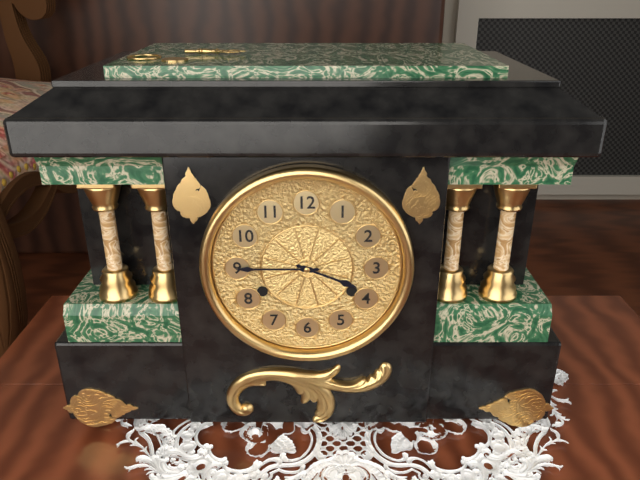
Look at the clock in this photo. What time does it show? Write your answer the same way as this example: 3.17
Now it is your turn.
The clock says 3.45
